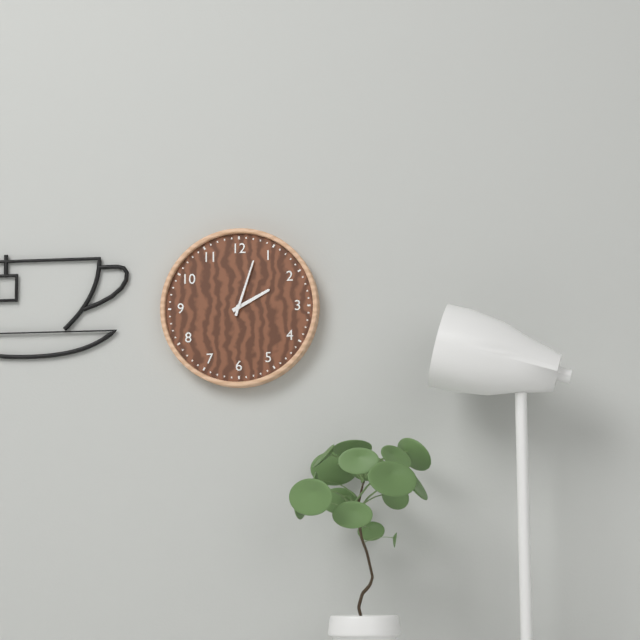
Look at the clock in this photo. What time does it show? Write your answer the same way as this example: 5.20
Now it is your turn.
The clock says 2.03
